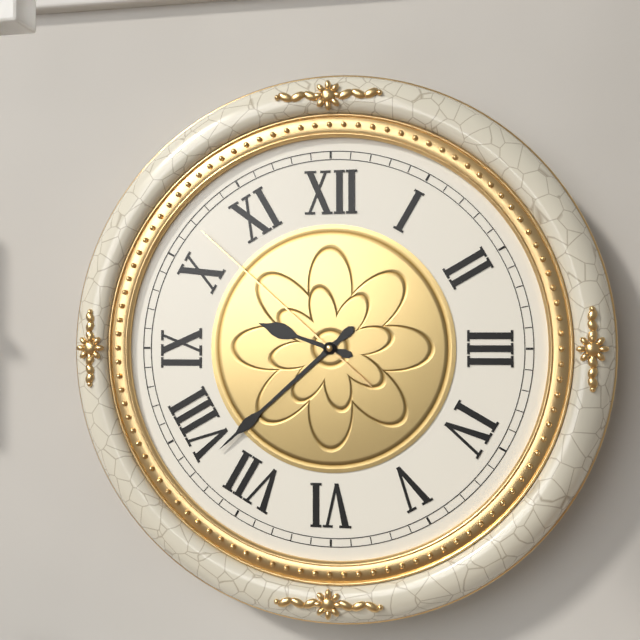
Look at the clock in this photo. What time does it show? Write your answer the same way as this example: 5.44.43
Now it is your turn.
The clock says 9.38.52
